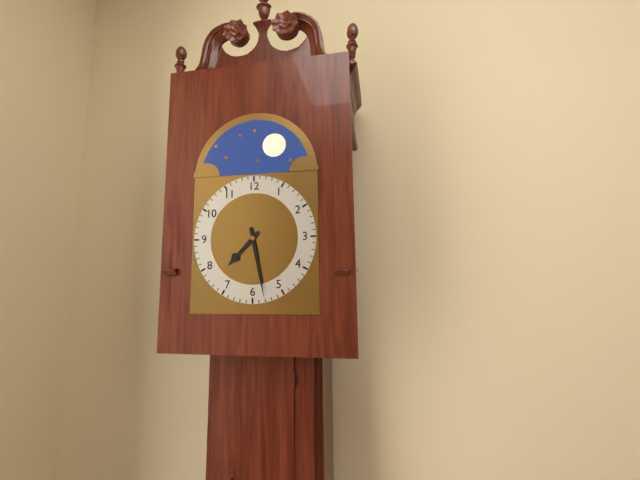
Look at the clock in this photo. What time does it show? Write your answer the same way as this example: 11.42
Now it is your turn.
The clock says 7.28
